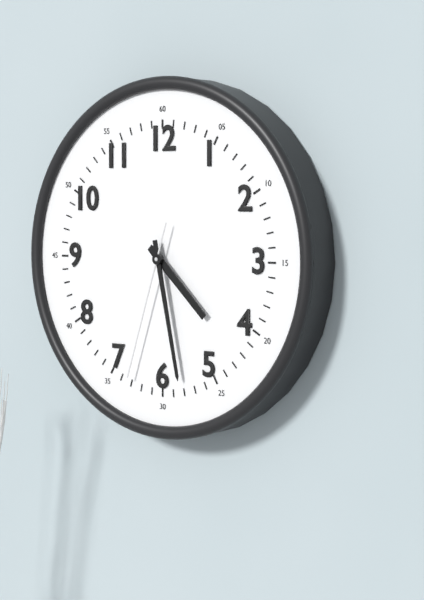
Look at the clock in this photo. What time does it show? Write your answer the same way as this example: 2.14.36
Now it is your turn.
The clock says 4.28.33
